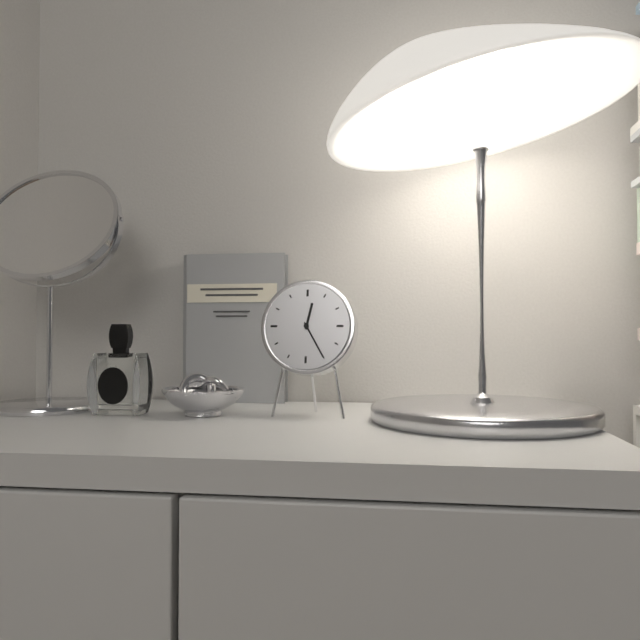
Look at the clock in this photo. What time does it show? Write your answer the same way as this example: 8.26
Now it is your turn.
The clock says 12.25
